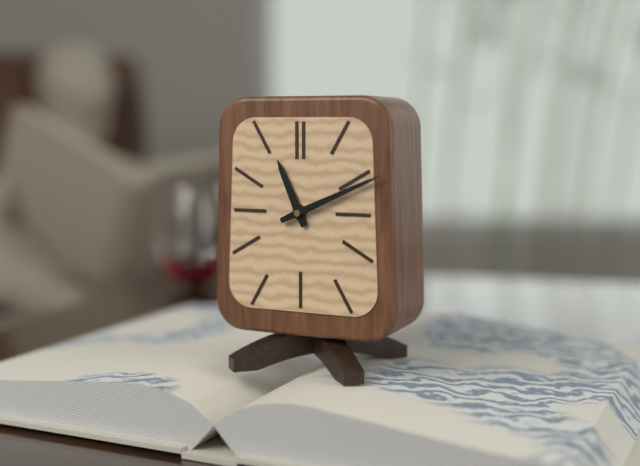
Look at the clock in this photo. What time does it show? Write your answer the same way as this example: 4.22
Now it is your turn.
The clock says 11.11
